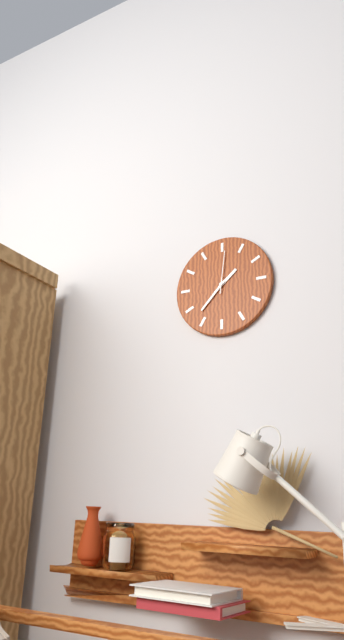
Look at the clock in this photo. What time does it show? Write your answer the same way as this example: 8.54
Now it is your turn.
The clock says 1.37
